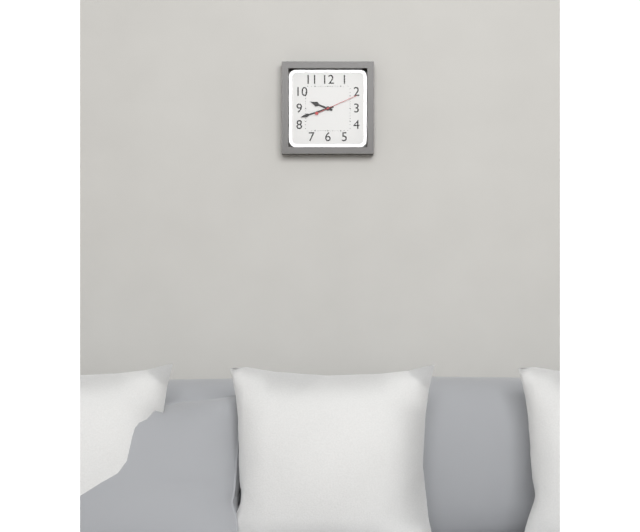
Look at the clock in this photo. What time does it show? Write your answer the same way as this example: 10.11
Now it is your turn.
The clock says 9.42
